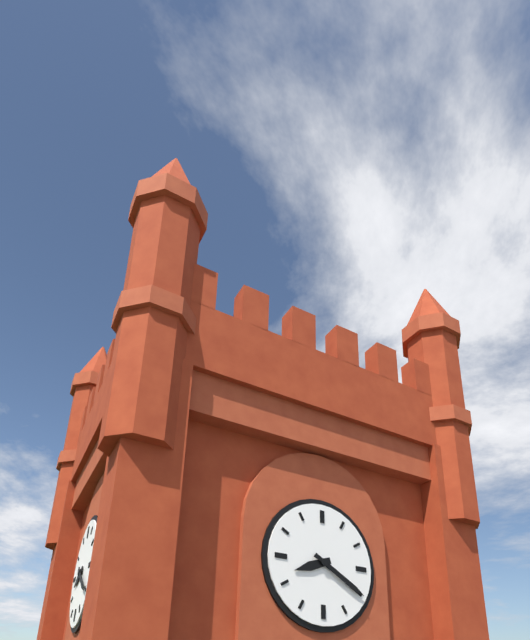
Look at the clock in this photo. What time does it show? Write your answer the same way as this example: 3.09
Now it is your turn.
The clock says 8.20
